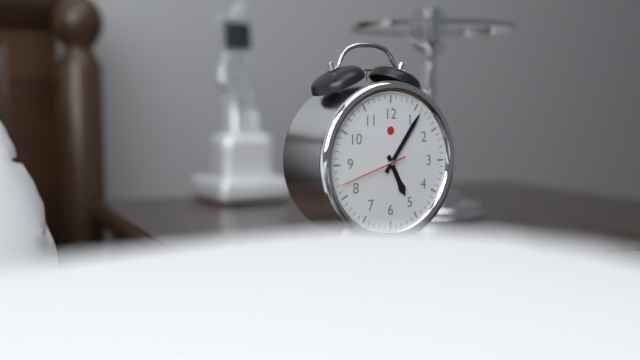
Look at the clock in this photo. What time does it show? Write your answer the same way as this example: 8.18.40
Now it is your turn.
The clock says 5.06.42
